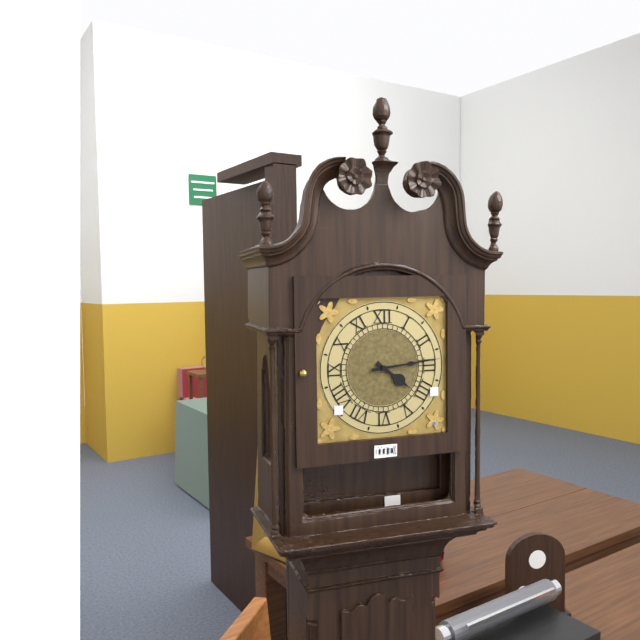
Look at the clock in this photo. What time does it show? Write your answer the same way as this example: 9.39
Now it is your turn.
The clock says 4.14
